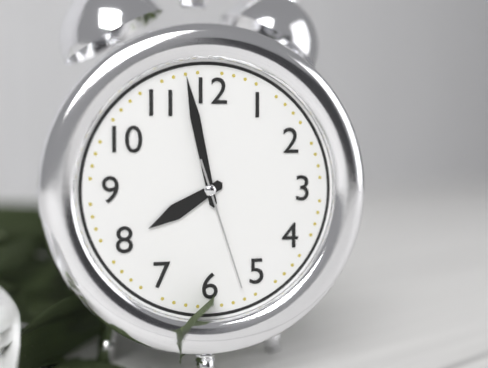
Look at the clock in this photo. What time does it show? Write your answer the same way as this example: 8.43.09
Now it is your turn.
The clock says 7.58.27
